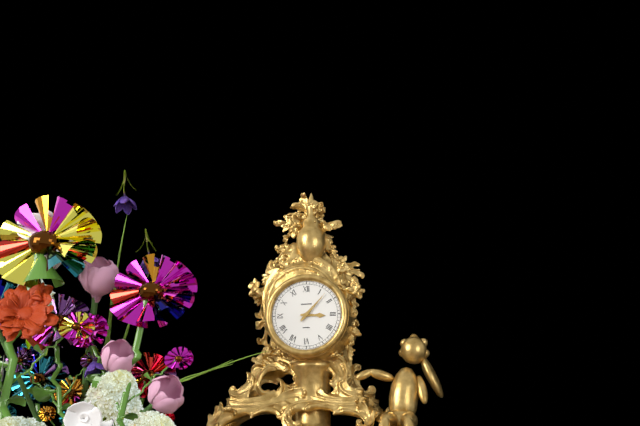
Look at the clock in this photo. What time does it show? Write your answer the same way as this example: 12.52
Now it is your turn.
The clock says 3.07
